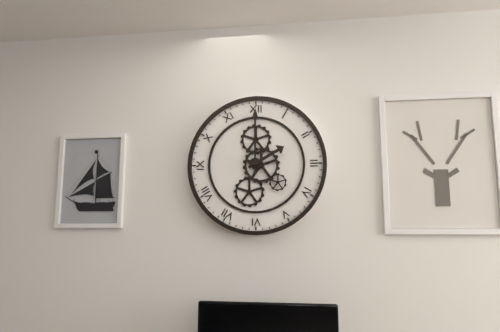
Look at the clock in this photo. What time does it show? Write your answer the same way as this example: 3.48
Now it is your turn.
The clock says 2.00
